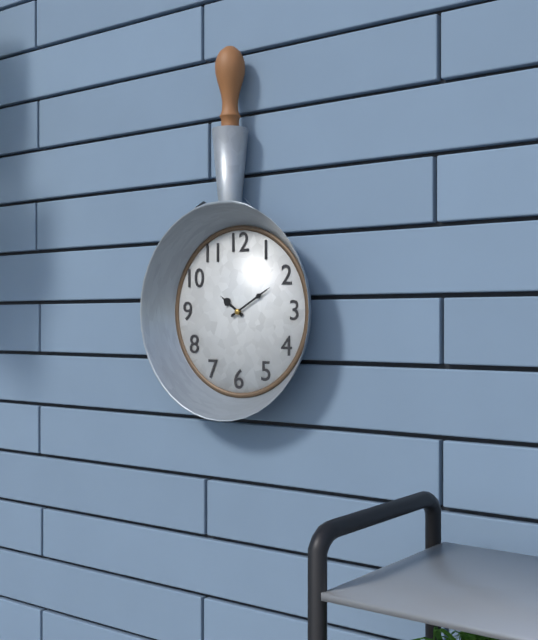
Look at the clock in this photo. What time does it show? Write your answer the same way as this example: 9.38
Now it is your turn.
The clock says 10.10
